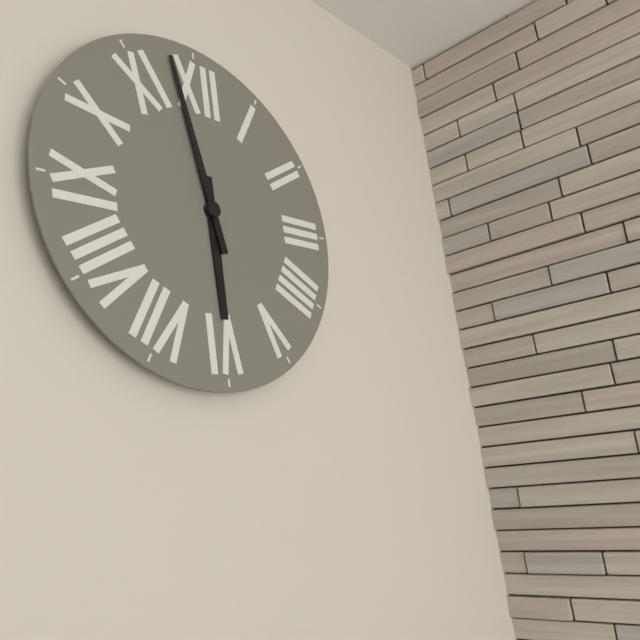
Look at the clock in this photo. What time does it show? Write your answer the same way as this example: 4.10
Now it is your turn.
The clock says 5.58
